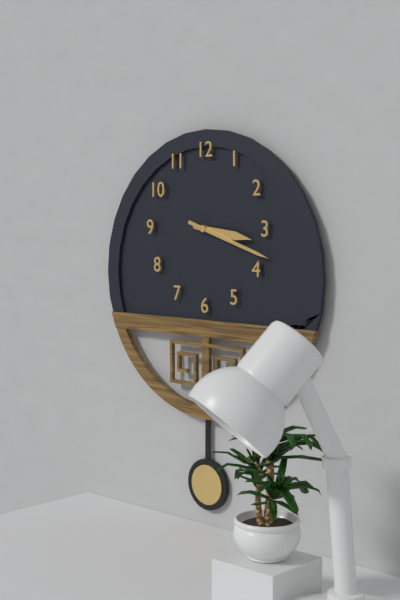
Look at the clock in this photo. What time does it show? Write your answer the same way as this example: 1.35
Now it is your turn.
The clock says 3.18
